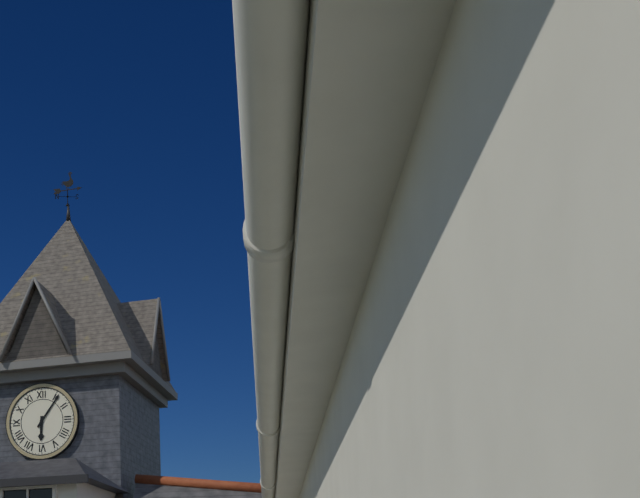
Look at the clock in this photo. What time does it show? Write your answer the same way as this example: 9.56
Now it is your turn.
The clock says 6.06
